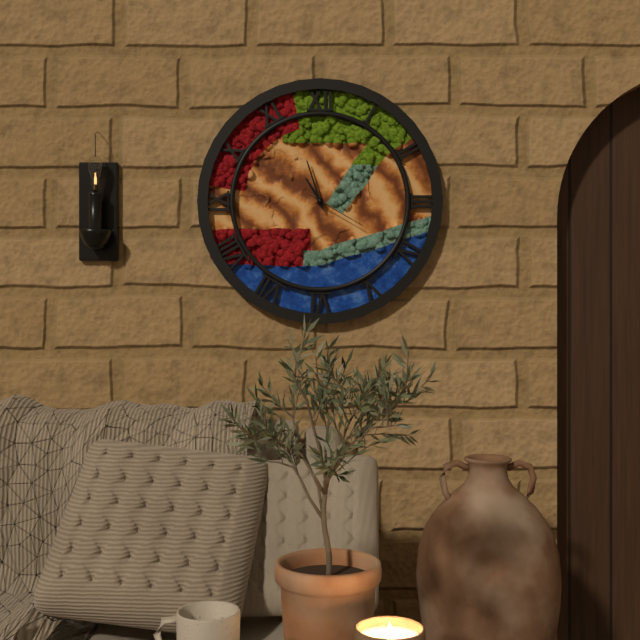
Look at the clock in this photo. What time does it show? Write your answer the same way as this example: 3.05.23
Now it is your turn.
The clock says 10.57.20
